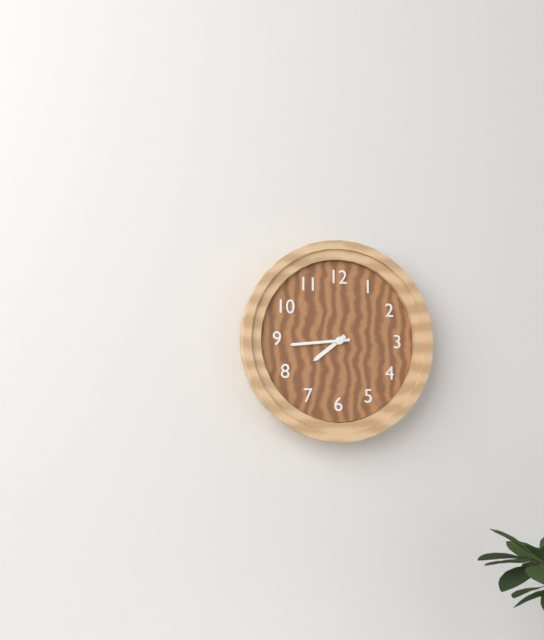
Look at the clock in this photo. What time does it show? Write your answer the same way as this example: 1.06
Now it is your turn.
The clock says 7.44
